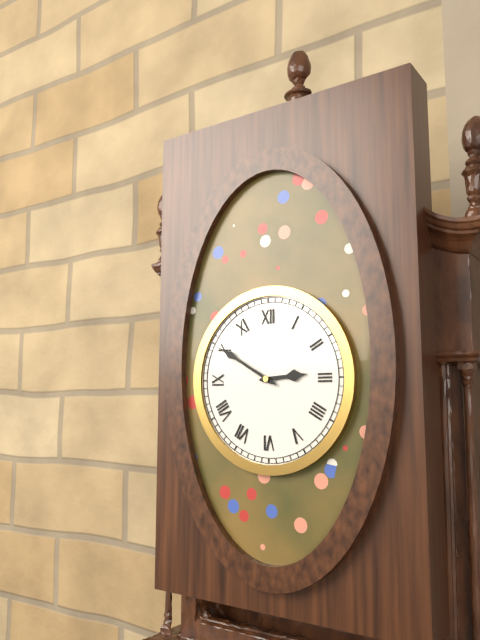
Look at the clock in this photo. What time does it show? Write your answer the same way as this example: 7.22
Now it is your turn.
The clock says 2.50
